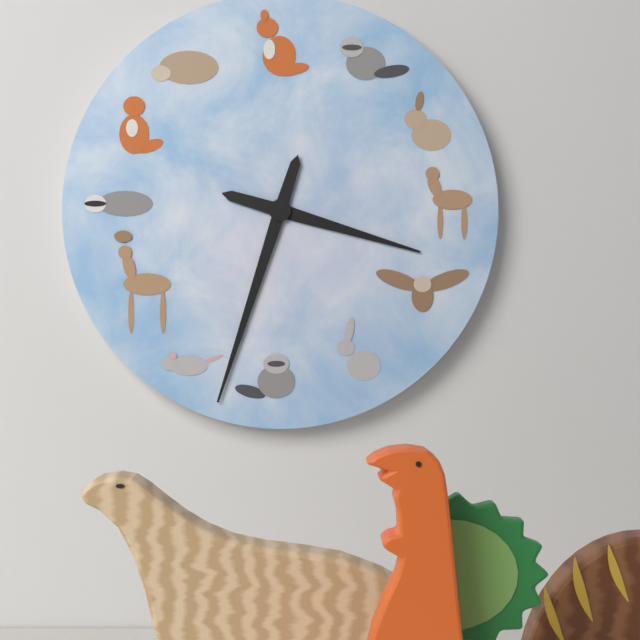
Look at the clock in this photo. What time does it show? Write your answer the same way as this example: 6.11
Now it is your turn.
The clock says 3.33
